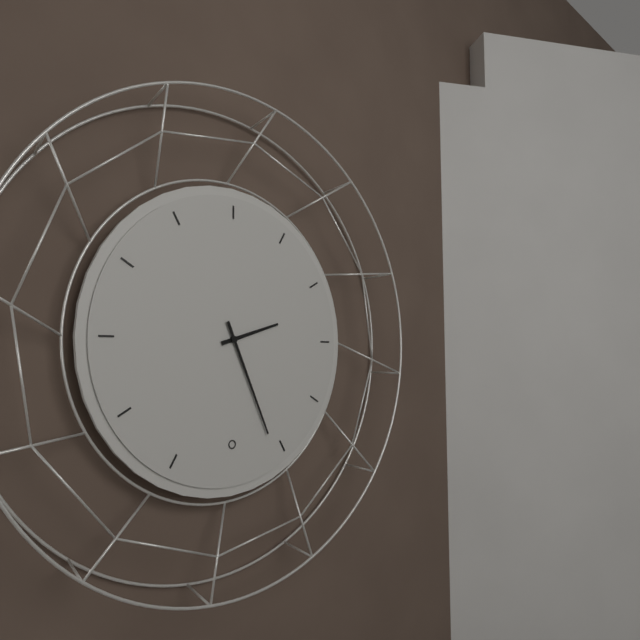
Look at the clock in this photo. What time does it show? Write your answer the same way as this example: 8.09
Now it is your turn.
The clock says 2.26
